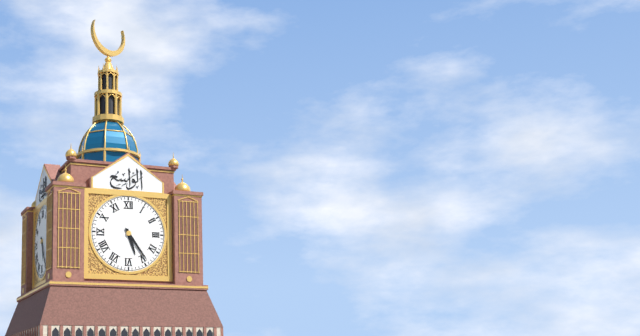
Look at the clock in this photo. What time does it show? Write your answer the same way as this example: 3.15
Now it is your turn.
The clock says 5.24
